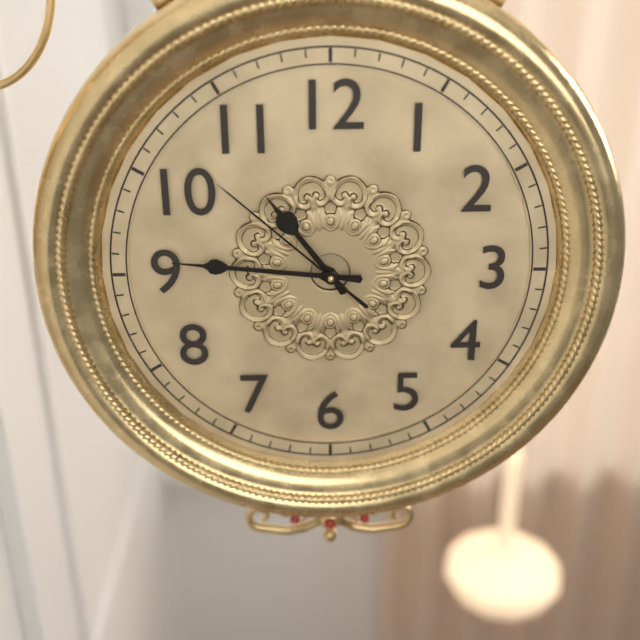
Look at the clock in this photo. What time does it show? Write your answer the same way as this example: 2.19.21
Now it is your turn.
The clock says 10.46.52
